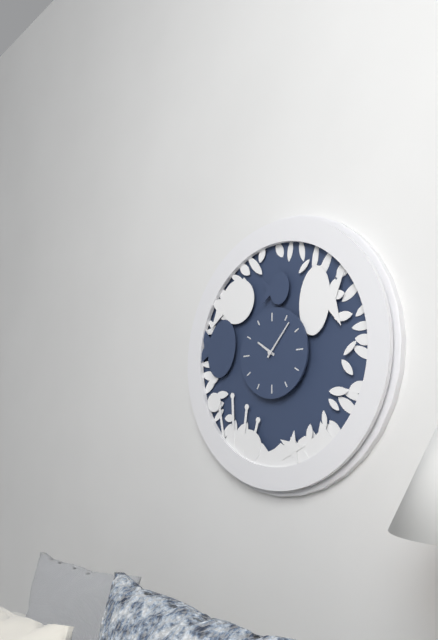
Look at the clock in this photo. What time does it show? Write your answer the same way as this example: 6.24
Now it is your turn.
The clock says 10.07
